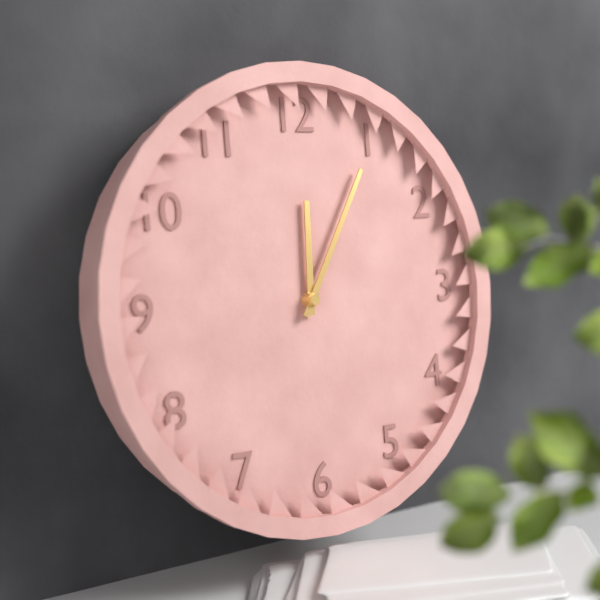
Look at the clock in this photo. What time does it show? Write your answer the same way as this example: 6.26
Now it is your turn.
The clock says 12.05
